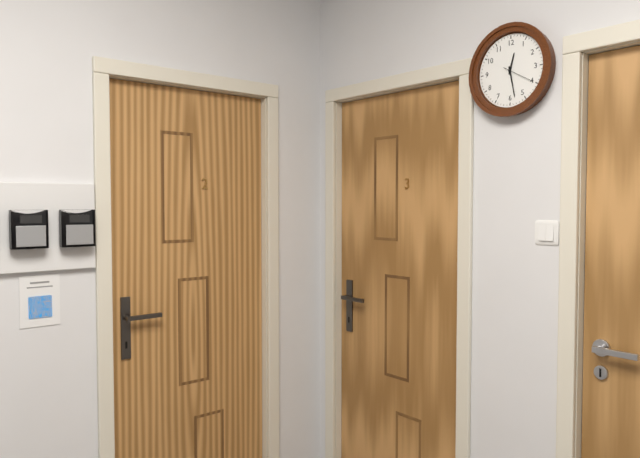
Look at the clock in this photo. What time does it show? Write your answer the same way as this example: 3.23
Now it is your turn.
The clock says 12.28
